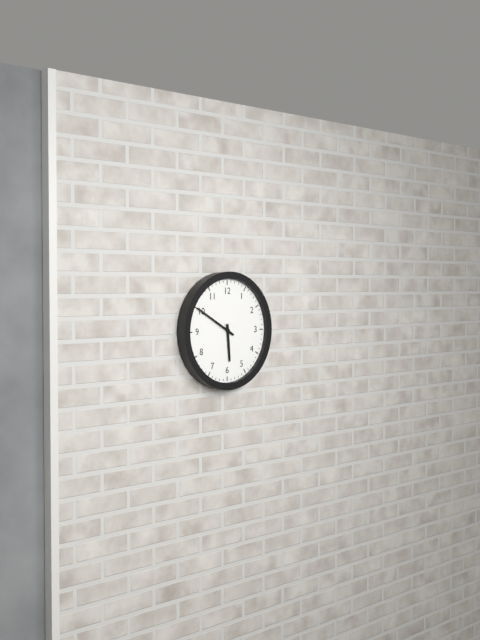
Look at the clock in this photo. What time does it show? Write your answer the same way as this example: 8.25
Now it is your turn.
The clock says 5.50
